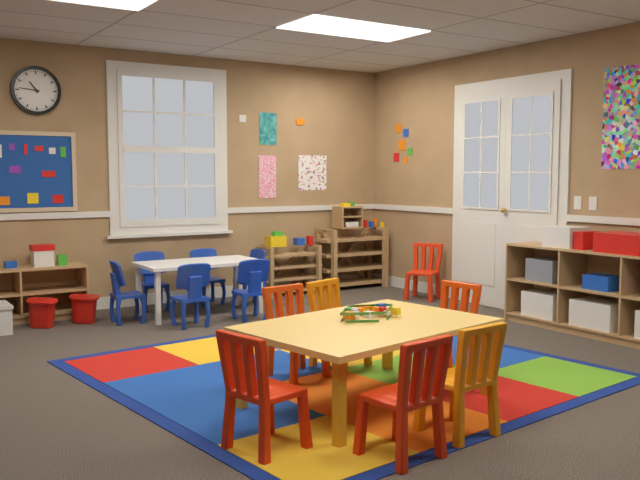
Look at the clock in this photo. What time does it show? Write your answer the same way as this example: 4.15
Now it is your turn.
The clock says 10.46
